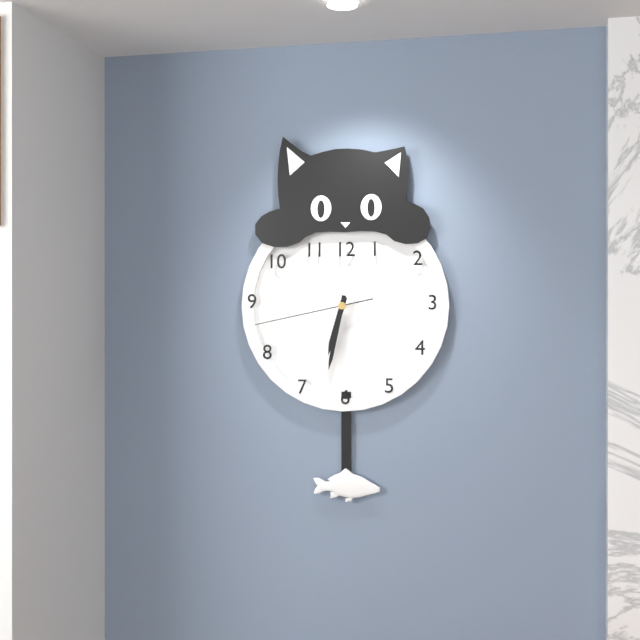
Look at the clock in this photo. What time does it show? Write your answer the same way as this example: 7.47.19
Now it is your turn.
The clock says 6.32.43
